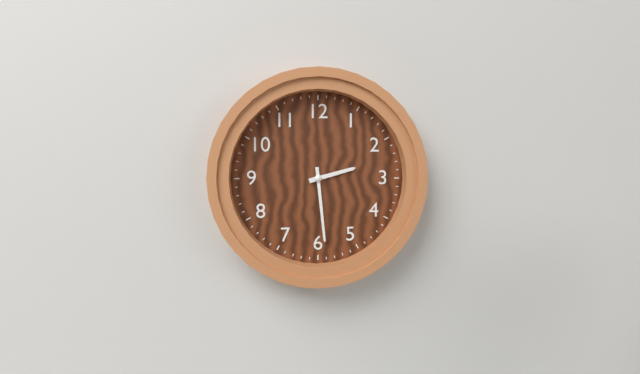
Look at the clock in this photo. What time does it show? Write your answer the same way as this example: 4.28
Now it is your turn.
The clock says 2.29
